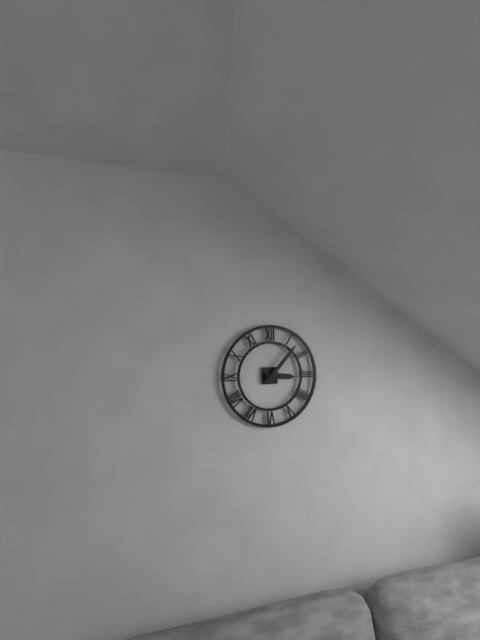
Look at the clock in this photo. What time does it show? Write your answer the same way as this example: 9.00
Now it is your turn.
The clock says 3.07
